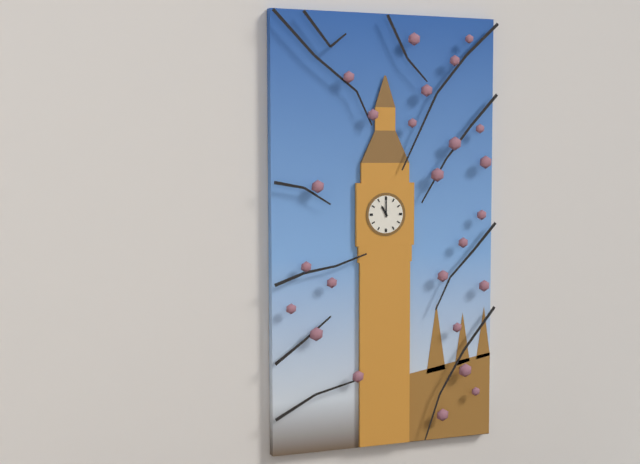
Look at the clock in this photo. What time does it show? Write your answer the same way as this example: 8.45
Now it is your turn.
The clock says 11.00
